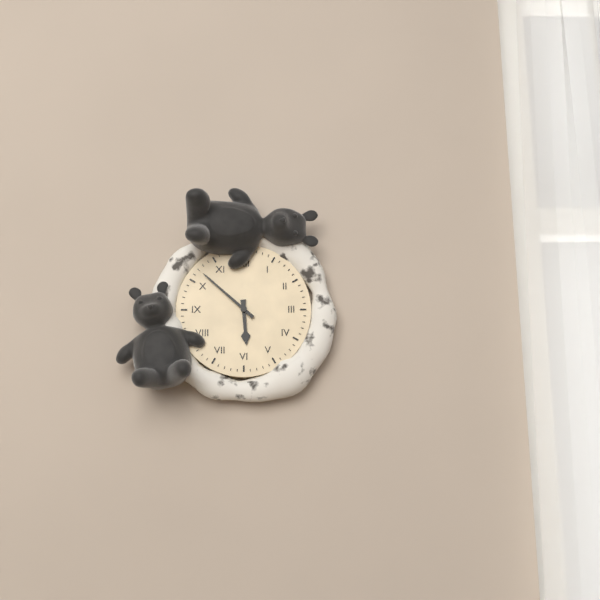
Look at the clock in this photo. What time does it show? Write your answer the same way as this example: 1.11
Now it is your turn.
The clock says 5.52
